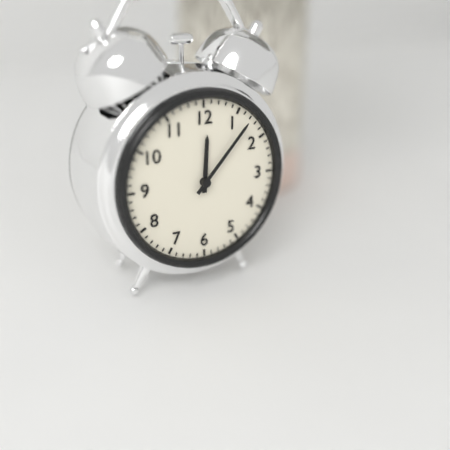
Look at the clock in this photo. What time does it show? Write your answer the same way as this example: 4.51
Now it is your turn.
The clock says 12.07
